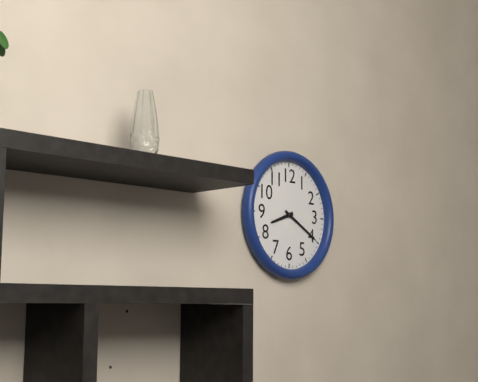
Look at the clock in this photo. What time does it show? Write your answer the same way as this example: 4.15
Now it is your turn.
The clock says 8.20
